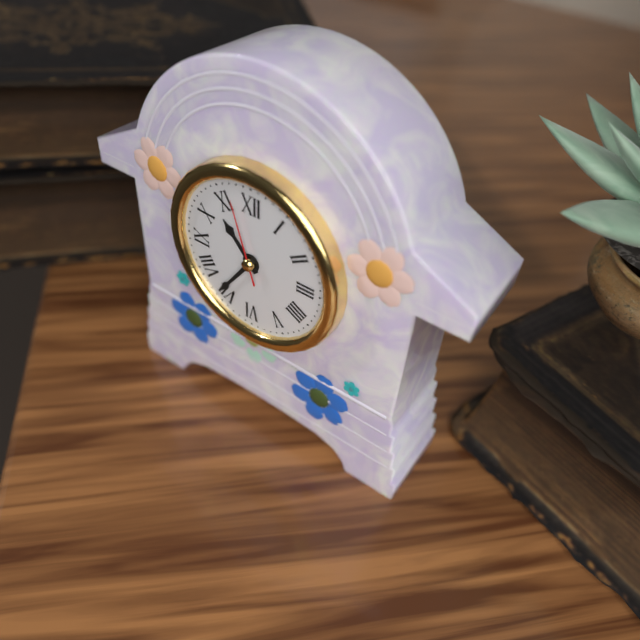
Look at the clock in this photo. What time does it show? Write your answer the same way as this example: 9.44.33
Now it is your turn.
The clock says 10.36.57
